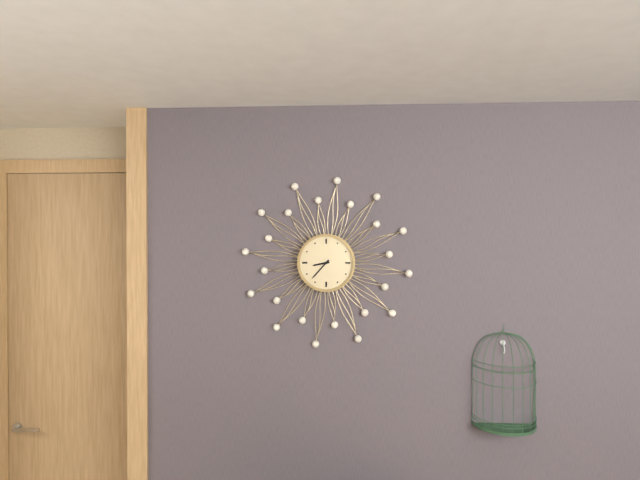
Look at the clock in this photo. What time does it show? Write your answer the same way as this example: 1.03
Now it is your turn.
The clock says 8.37
